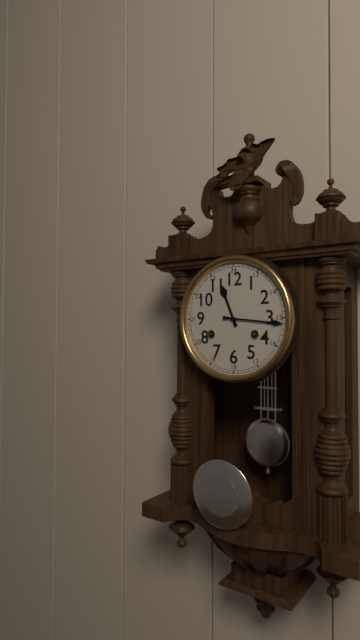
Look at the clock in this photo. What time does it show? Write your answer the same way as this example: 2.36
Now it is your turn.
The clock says 11.16
